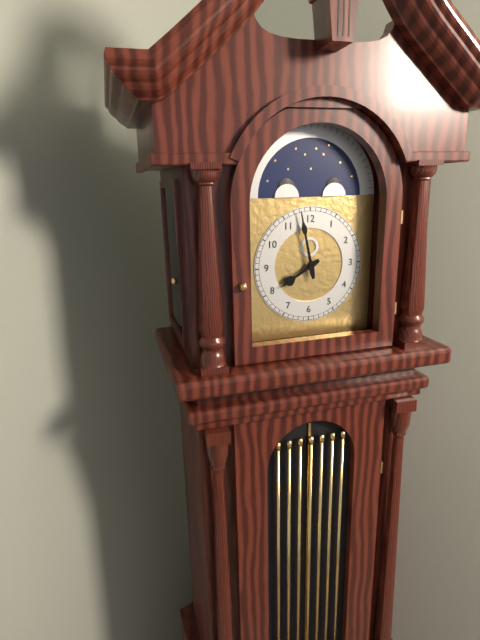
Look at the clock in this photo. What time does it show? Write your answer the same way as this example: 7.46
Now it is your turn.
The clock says 7.58
